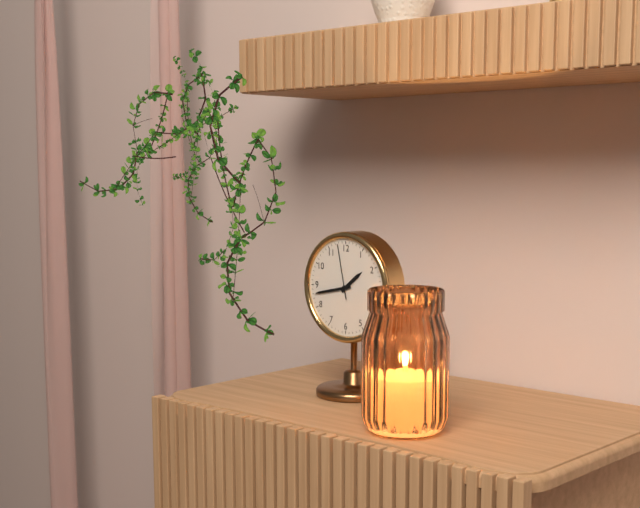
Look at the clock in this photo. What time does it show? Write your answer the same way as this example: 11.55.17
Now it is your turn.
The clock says 1.43.58
